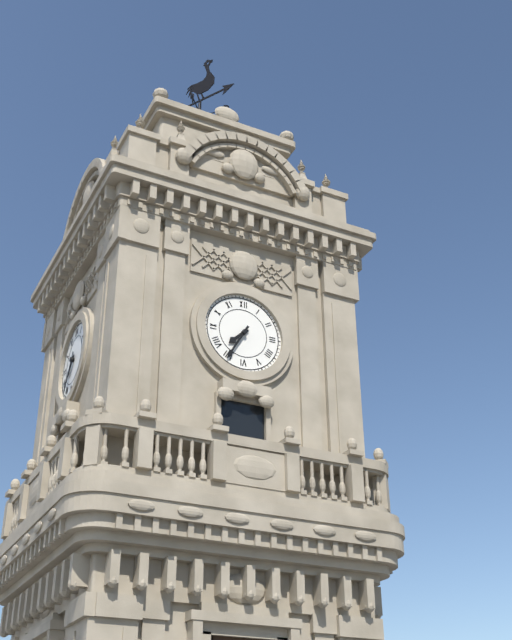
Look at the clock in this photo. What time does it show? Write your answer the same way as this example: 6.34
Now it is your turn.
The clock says 7.35
